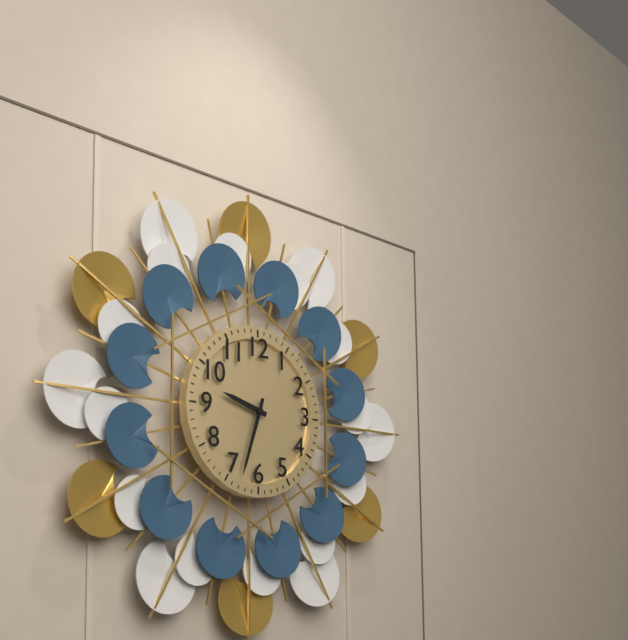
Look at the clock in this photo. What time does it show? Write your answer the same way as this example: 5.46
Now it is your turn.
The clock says 9.33
